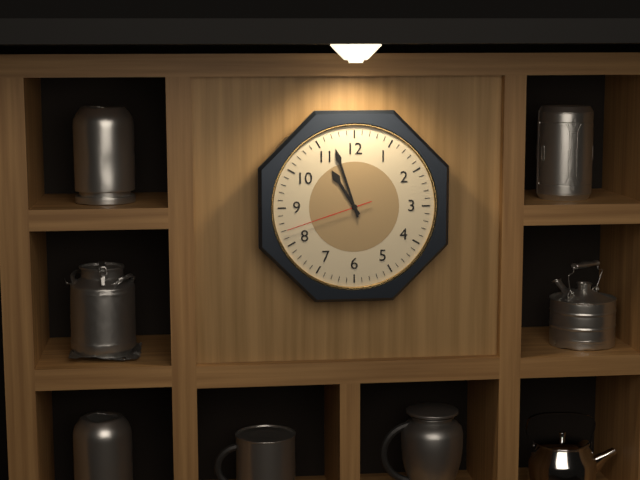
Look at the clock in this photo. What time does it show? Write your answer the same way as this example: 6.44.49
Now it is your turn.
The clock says 10.57.42
